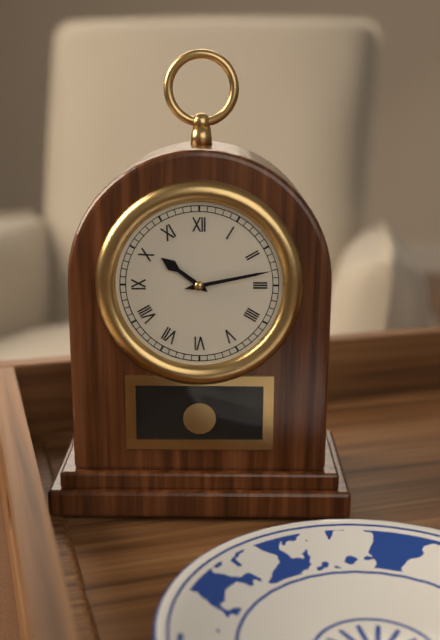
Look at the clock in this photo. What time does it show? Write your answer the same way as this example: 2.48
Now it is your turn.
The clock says 10.13
